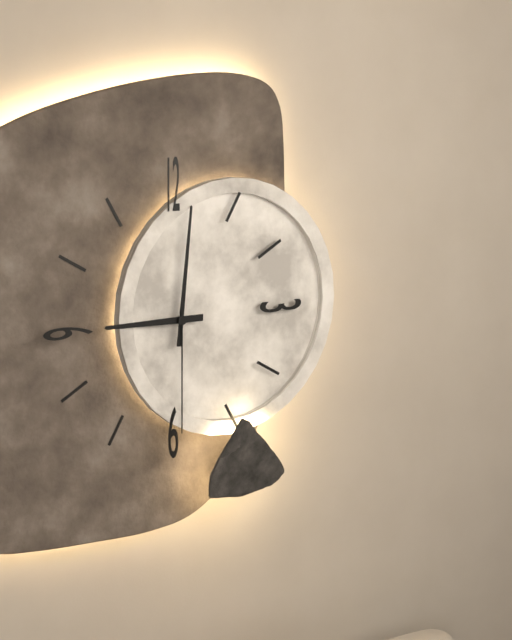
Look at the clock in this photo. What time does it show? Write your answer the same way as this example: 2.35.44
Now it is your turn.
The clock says 9.01.30
